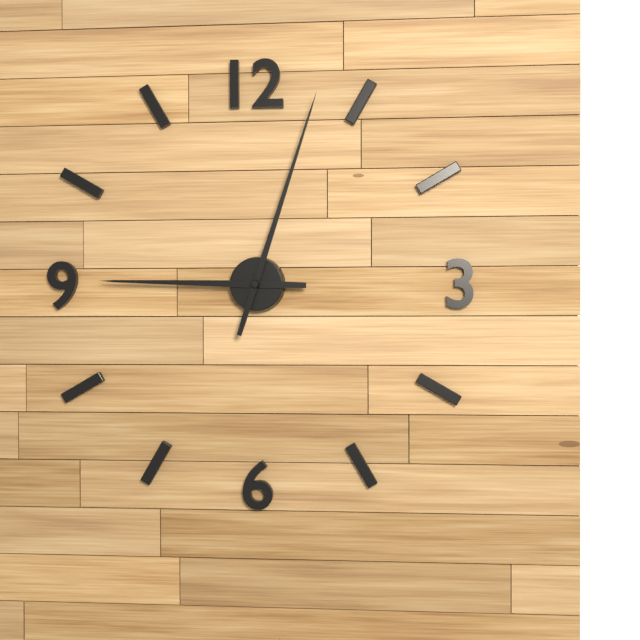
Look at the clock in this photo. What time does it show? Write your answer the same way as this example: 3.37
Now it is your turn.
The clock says 9.03
